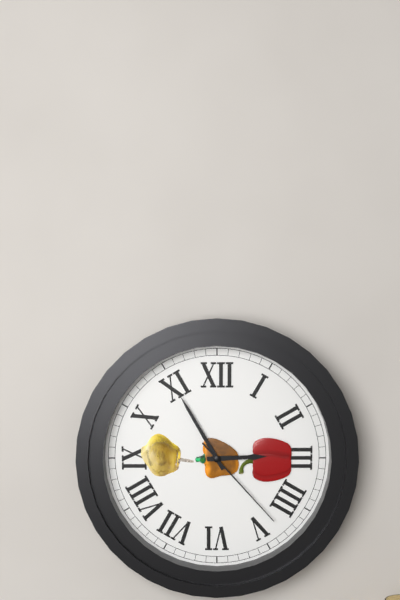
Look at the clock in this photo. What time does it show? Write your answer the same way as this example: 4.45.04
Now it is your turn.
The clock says 2.55.23
